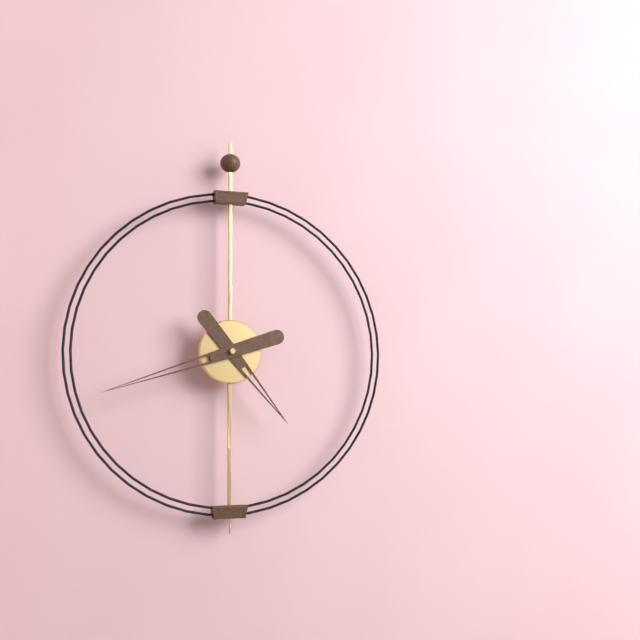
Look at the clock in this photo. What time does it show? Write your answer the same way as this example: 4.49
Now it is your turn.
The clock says 4.42
